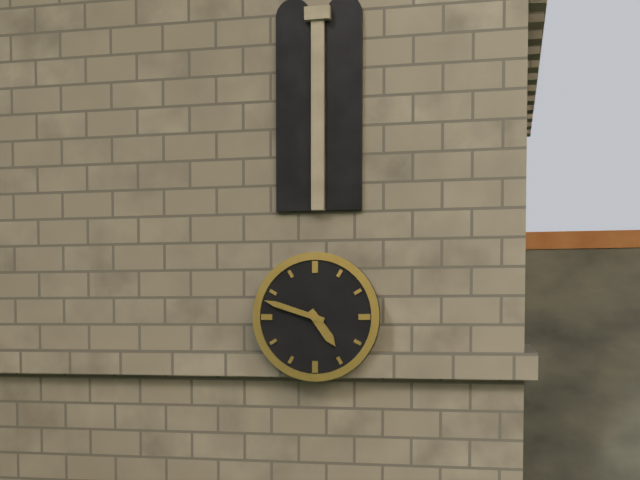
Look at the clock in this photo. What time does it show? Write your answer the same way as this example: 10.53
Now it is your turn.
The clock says 4.48
